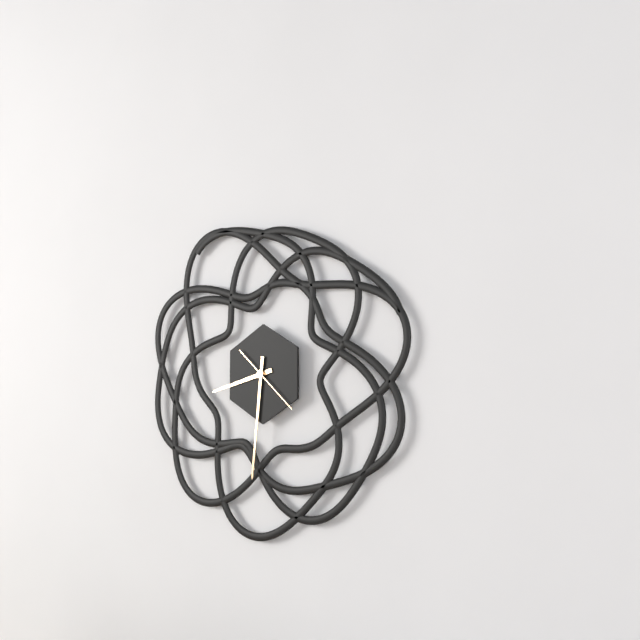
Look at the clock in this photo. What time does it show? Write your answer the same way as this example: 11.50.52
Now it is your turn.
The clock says 8.31.22
